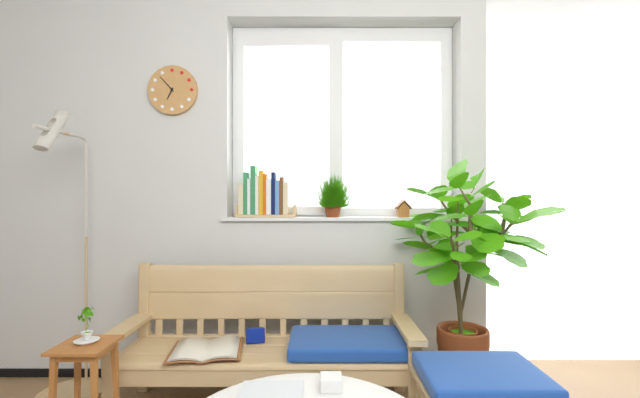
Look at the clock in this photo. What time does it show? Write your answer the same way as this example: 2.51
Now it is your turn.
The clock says 6.53
